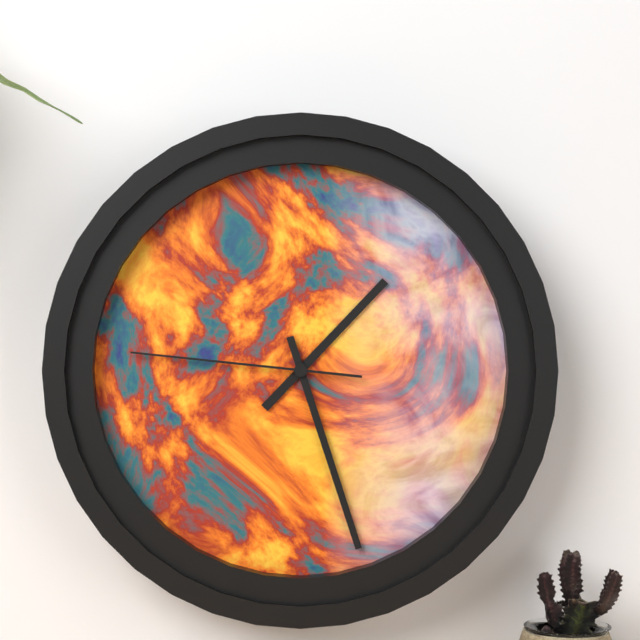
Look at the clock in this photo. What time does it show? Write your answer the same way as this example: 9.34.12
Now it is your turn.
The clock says 1.27.46
